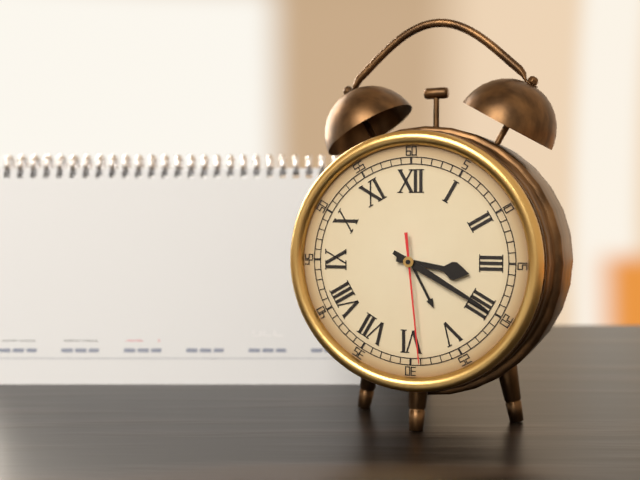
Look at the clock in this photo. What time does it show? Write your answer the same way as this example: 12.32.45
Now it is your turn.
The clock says 3.20.29
